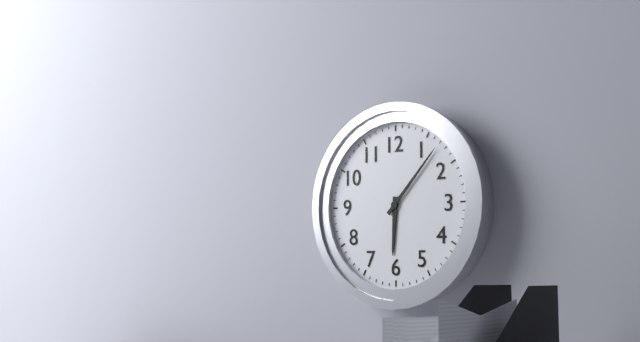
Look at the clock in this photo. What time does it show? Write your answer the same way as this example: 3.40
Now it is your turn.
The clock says 6.07
